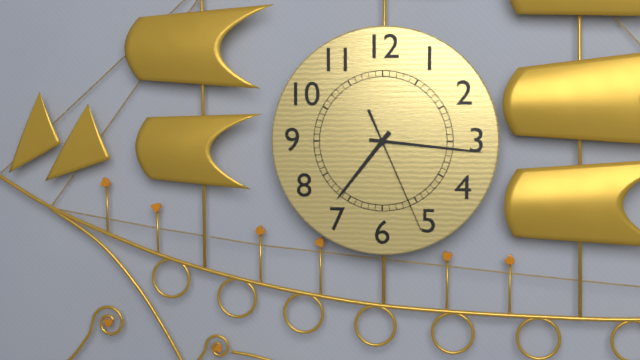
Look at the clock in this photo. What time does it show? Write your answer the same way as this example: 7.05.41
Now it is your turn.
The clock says 7.16.26
